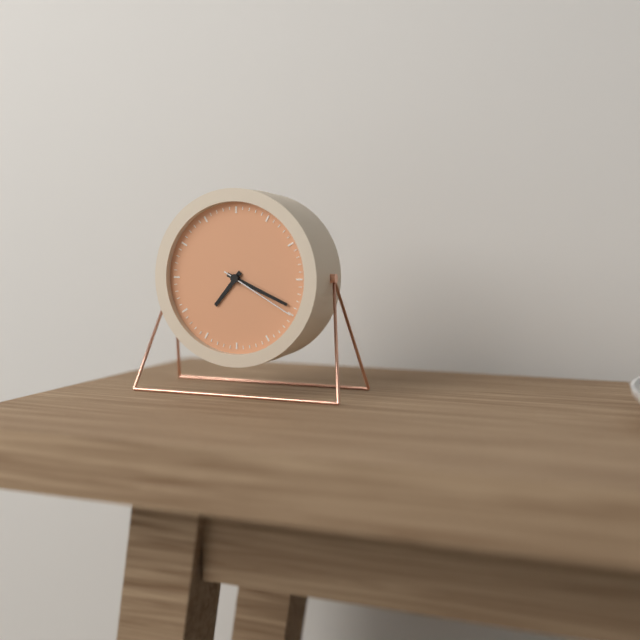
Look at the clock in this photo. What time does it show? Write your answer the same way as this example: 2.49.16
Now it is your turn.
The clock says 7.19.20
